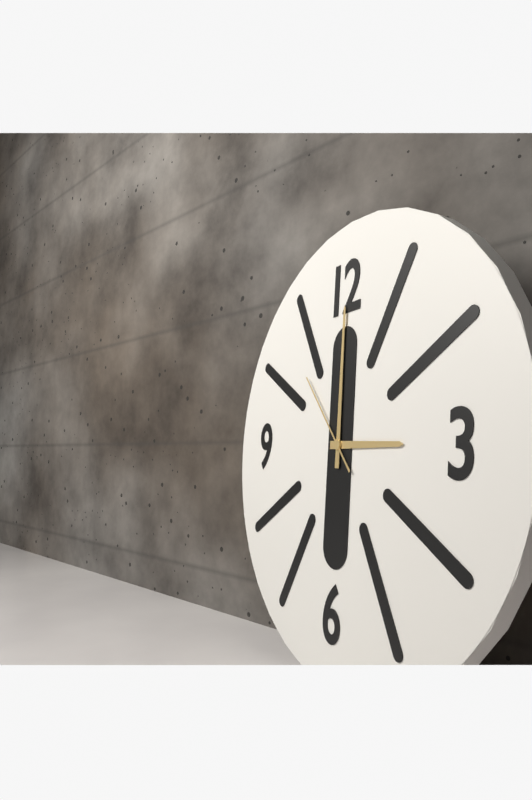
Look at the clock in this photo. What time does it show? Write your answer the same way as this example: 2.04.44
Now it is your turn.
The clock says 3.00.53
